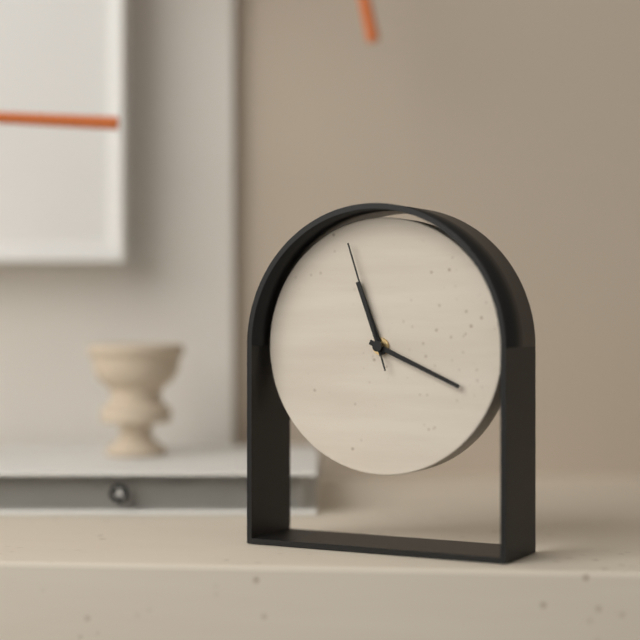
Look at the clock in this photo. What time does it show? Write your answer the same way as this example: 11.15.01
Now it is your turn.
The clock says 11.19.57
